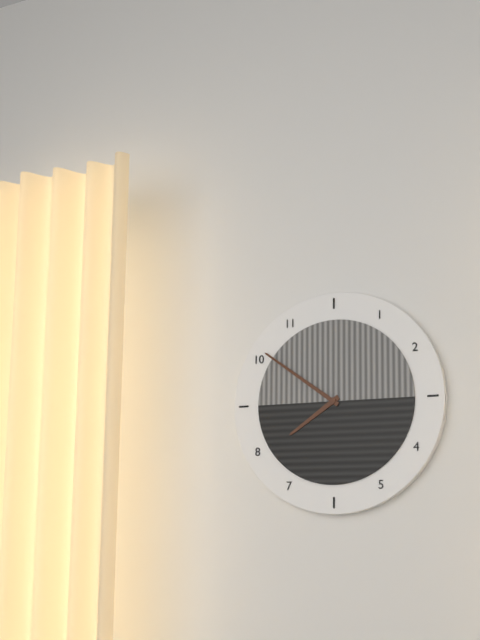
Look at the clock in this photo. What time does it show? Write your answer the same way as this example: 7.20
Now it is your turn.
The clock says 7.51
